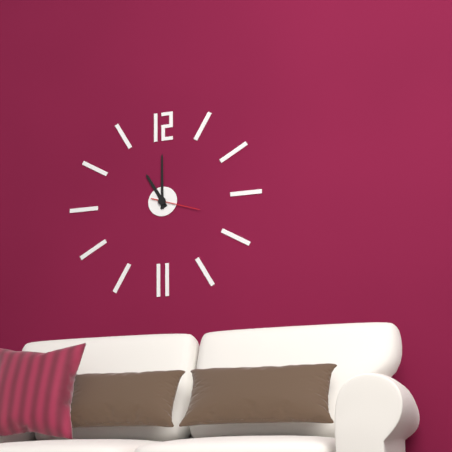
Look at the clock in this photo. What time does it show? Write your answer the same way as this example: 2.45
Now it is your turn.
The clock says 11.00
